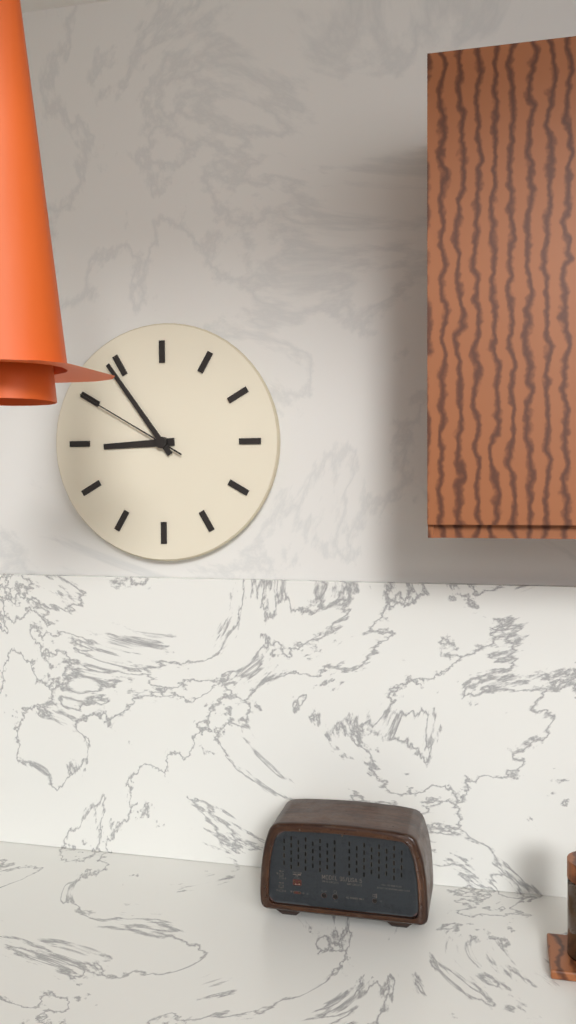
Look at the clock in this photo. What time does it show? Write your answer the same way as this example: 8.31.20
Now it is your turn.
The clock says 8.54.50
